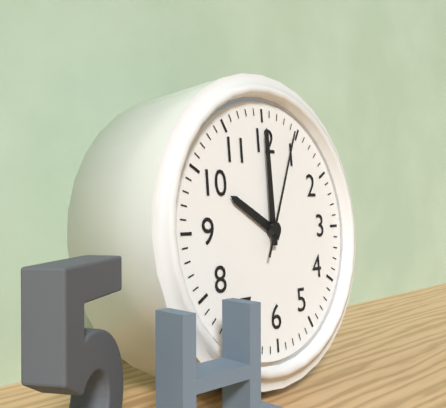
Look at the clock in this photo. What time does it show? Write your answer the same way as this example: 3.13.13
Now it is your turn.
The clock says 10.00.04
